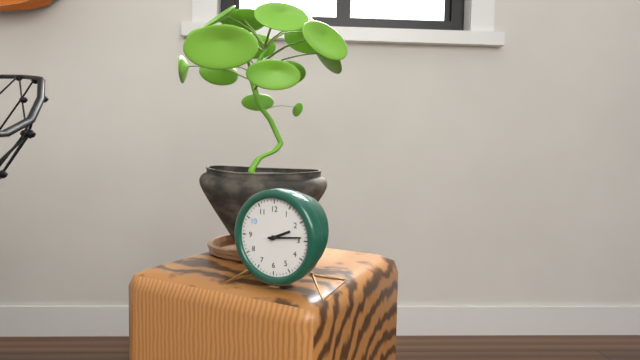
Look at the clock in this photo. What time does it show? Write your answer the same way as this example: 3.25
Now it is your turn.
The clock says 2.14
